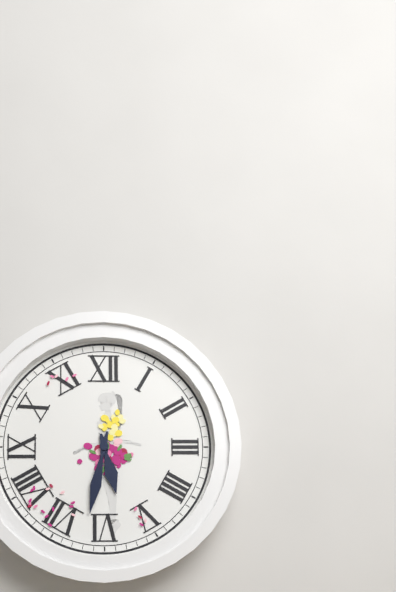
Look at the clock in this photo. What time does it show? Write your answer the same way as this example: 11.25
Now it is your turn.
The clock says 5.32
